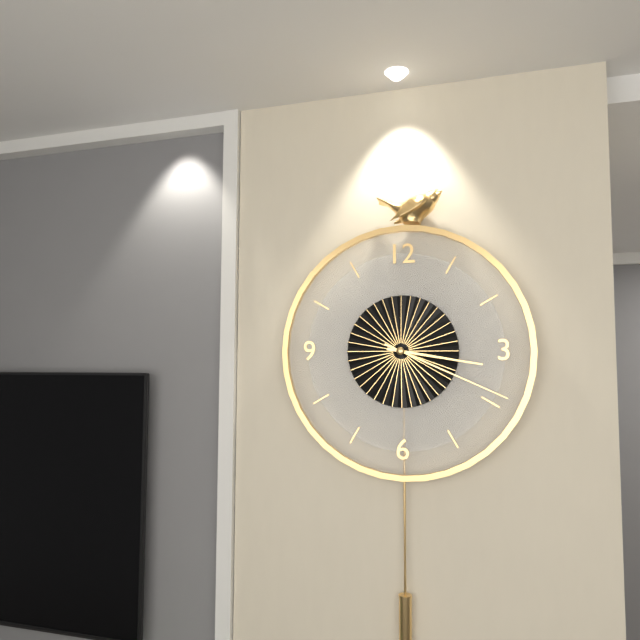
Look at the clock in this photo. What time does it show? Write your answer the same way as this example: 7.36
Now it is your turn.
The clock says 3.19
